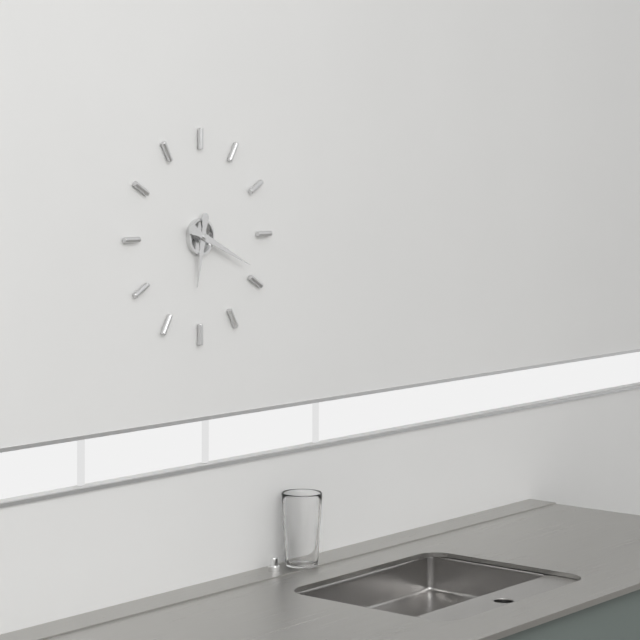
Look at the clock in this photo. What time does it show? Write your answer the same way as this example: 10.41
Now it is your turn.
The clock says 6.19
